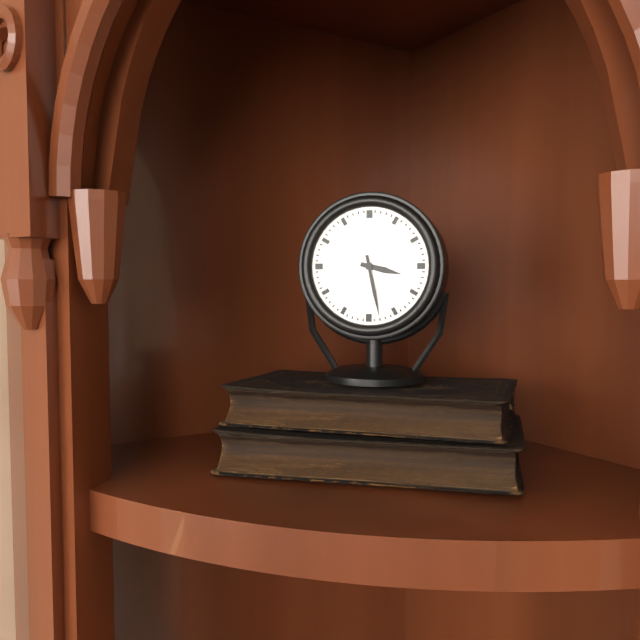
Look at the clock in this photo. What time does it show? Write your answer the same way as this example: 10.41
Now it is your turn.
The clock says 3.28
